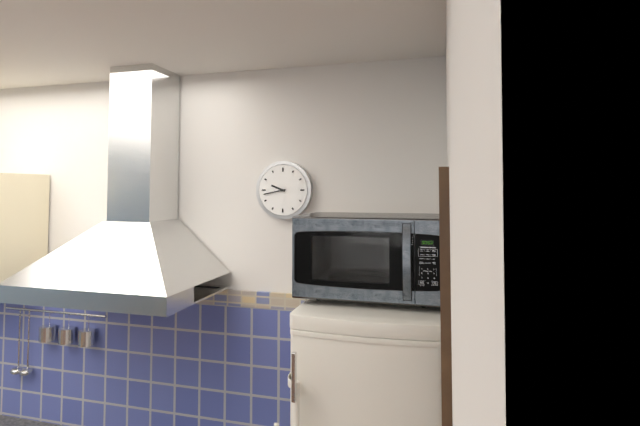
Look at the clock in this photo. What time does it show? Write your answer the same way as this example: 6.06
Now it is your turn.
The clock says 9.43
